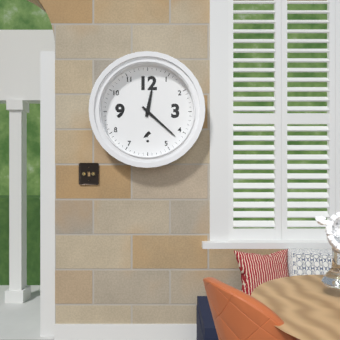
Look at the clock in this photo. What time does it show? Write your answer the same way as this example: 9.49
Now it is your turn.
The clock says 12.22
